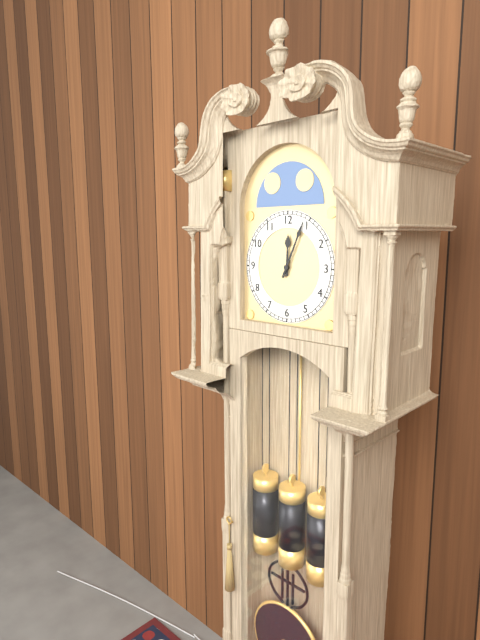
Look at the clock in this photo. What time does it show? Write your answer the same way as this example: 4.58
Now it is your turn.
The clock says 12.04
